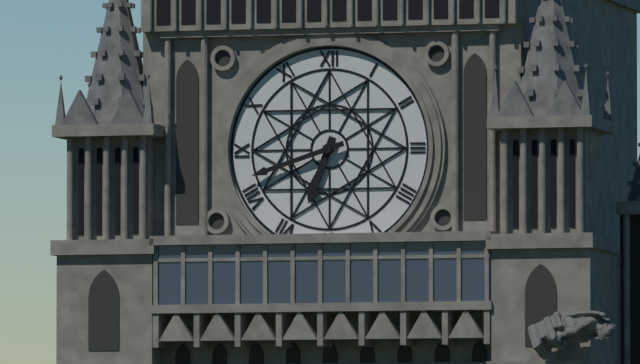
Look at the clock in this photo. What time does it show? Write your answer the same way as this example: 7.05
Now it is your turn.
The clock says 6.42
